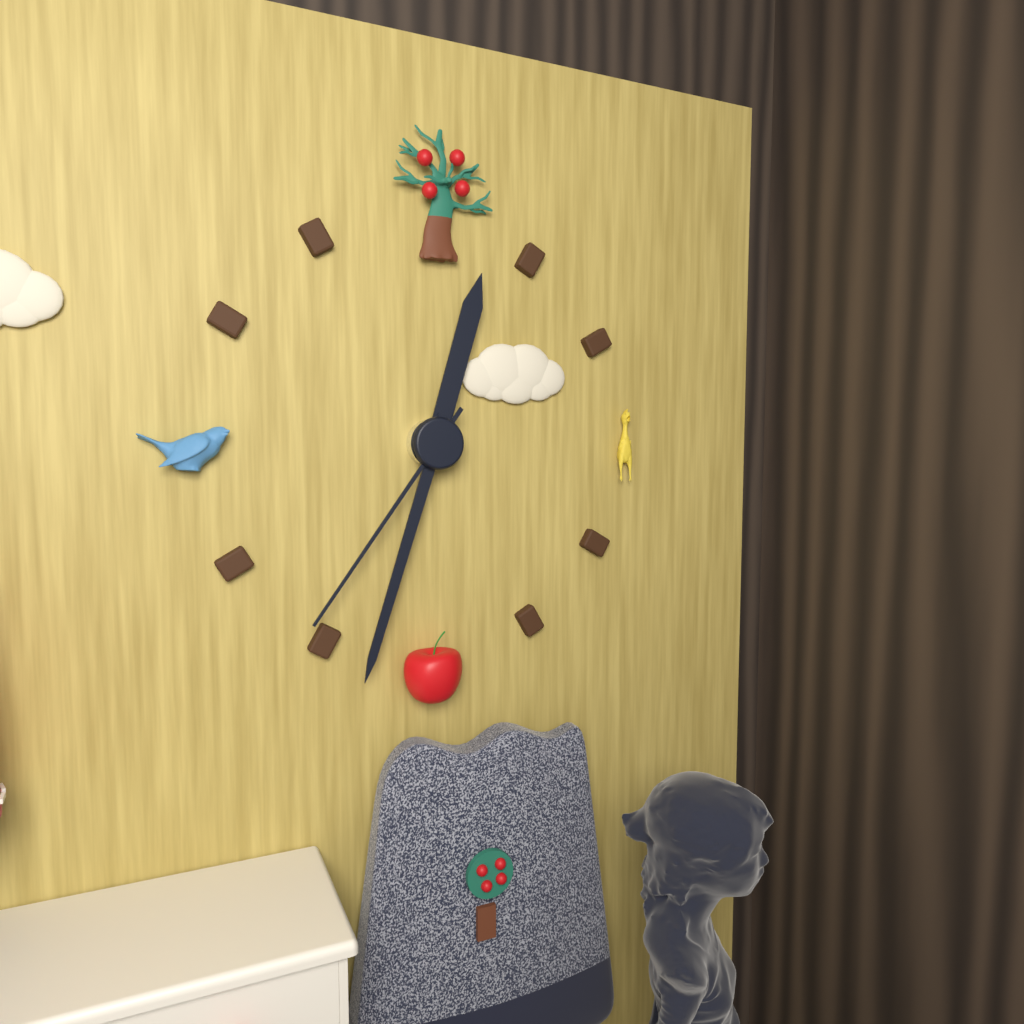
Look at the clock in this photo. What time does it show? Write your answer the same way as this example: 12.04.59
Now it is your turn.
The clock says 12.33.36
